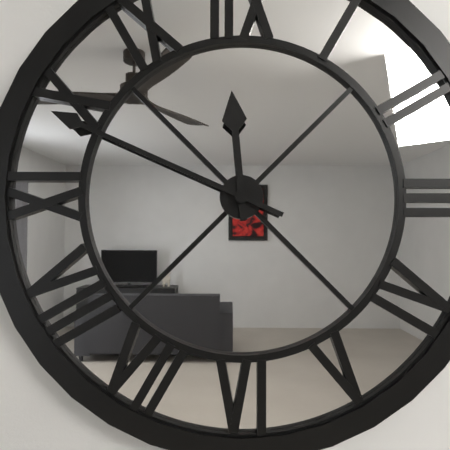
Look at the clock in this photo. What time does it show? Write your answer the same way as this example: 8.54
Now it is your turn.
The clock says 11.49
